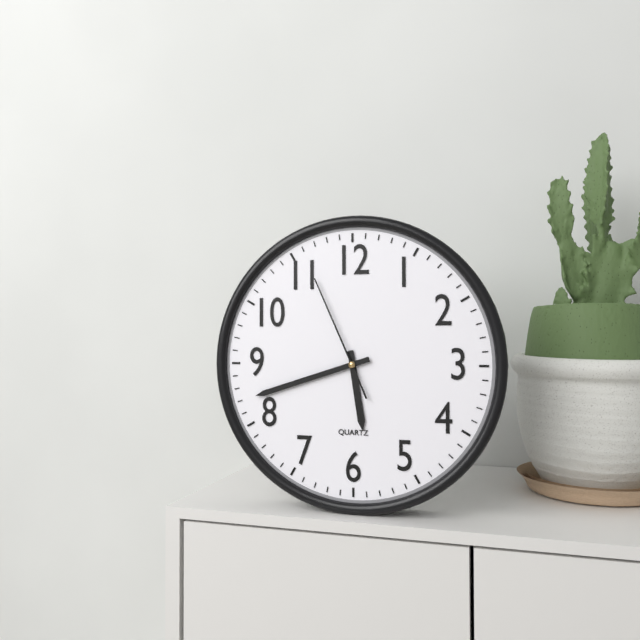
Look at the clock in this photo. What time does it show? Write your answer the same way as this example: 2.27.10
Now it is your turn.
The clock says 5.42.56
